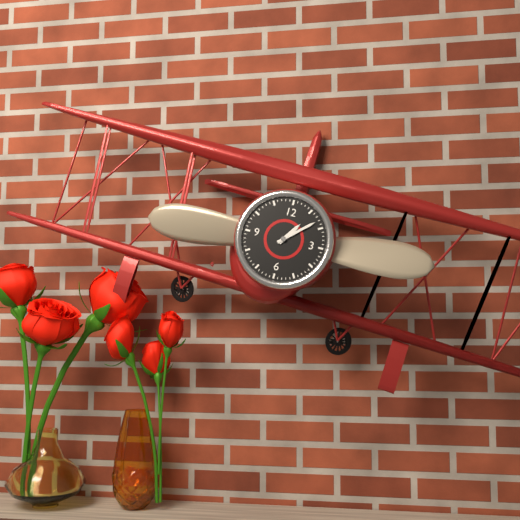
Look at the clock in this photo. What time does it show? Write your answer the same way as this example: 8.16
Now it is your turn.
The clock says 1.08
